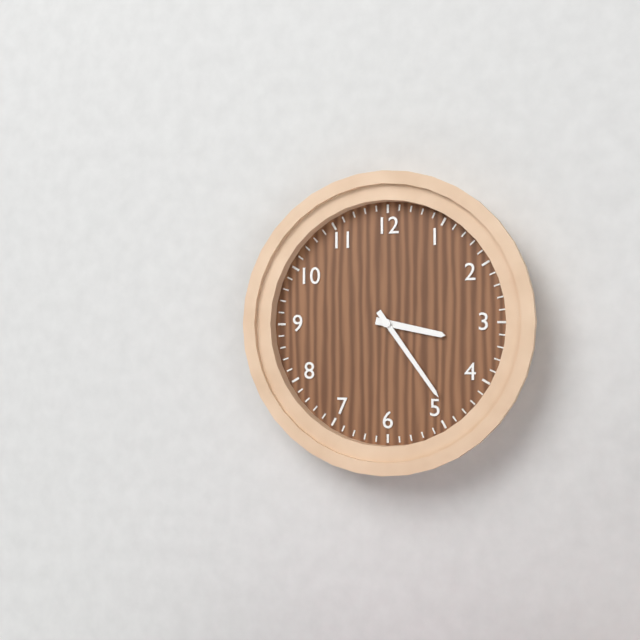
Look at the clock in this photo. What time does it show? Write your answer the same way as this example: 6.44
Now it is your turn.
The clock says 3.24
